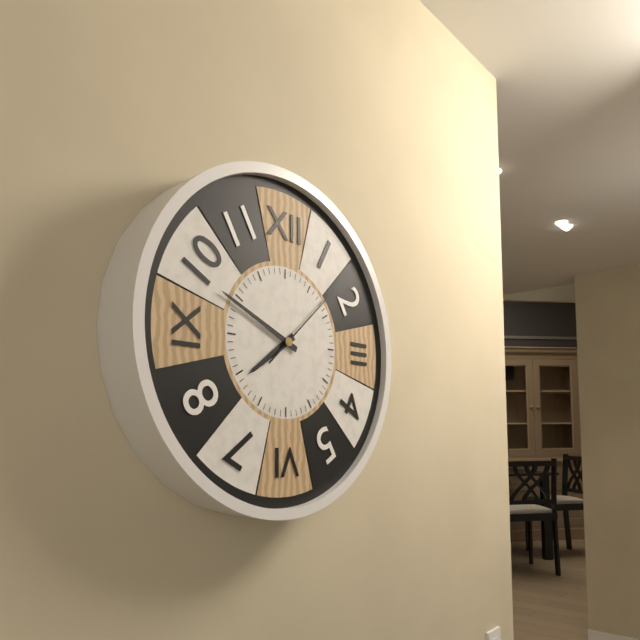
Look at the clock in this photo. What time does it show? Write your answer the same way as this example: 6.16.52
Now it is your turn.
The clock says 7.49.08
